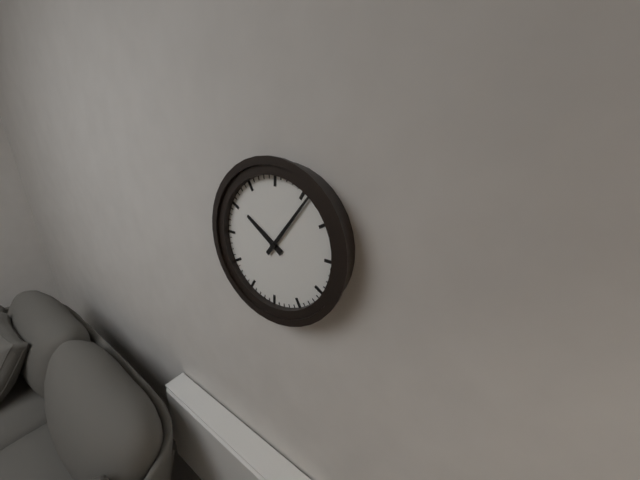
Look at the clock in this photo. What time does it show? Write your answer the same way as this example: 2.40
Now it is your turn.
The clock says 10.06
